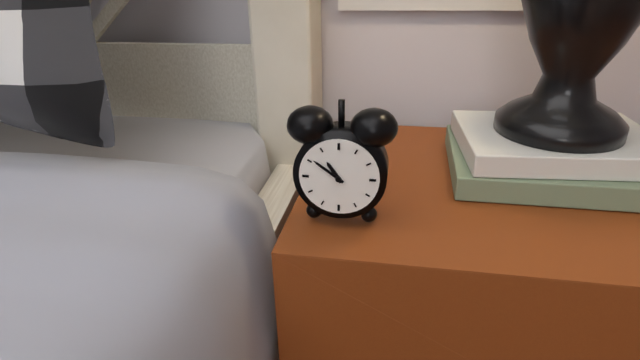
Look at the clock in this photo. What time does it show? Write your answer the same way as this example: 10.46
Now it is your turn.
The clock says 10.51
